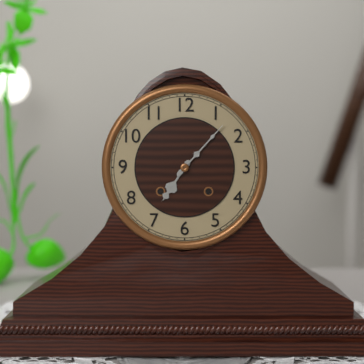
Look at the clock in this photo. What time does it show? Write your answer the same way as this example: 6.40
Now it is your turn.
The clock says 7.07
